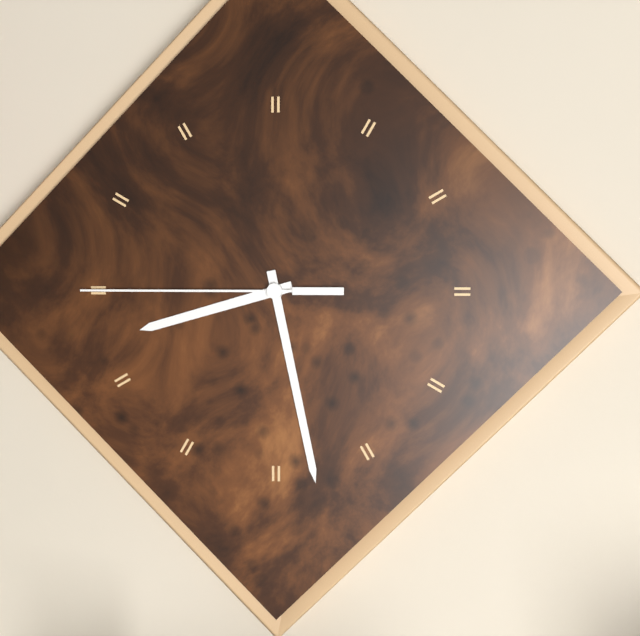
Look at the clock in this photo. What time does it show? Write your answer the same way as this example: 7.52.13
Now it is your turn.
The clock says 8.28.45
